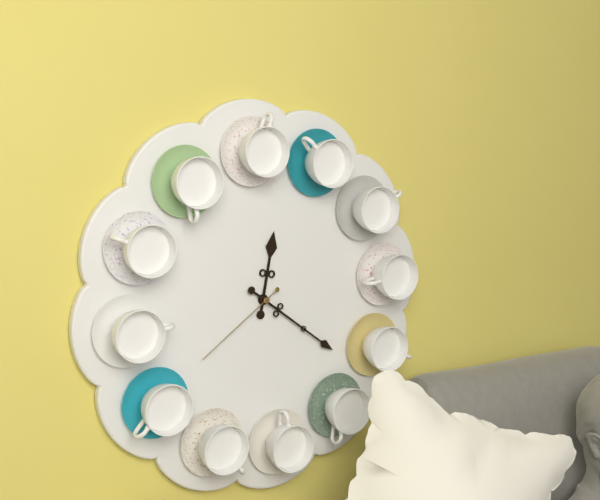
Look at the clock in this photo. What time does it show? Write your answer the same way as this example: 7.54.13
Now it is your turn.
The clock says 12.21.39
